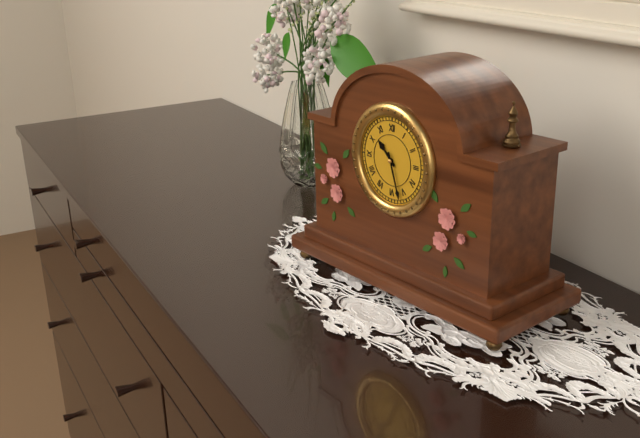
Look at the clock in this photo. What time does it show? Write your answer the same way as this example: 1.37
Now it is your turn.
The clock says 10.27
